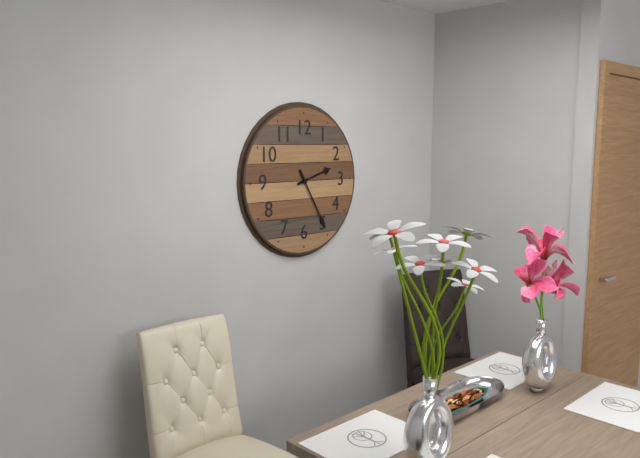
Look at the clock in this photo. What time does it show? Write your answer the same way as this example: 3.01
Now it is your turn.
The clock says 2.25
